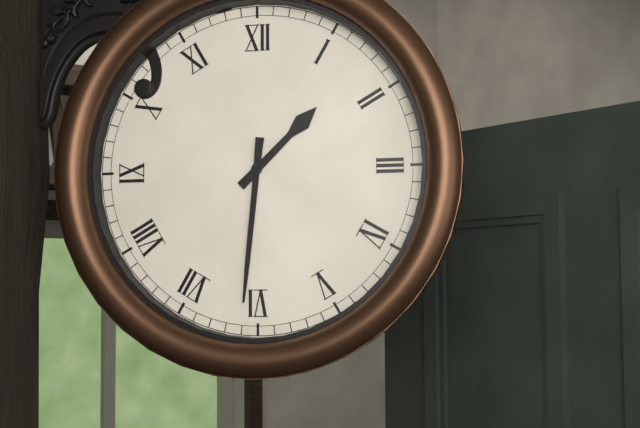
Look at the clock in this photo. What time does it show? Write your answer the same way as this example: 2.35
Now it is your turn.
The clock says 1.31
